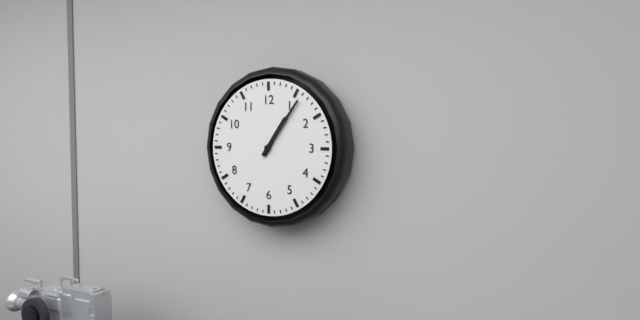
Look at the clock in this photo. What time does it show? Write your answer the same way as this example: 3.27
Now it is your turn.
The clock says 1.06
